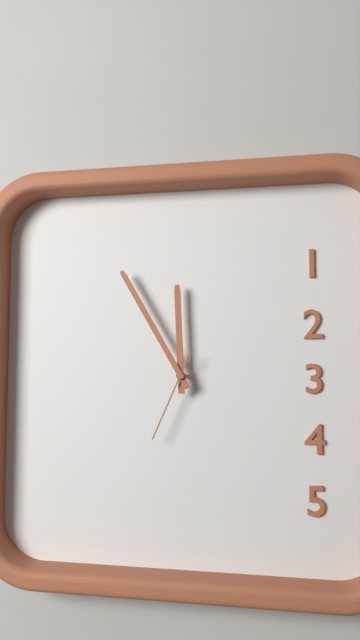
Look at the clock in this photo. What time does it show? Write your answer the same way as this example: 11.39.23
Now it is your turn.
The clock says 11.55.34
